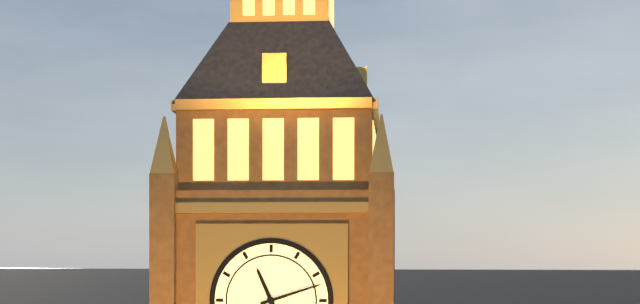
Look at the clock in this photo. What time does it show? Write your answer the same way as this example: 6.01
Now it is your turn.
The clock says 11.12
